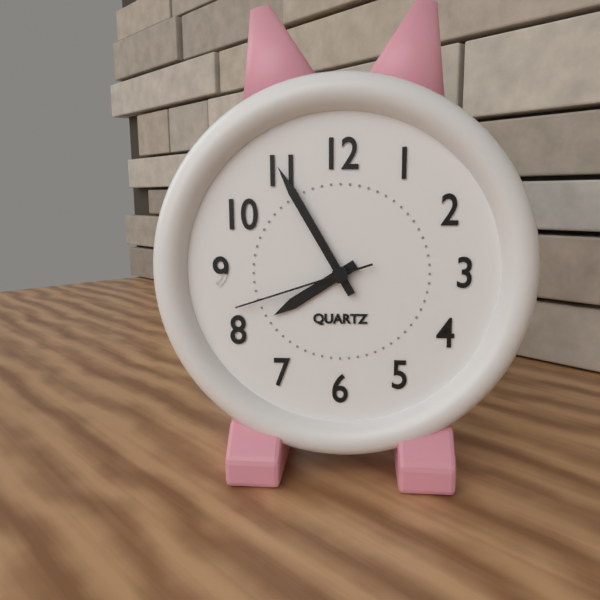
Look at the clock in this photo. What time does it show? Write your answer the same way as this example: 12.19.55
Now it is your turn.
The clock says 7.55.42
